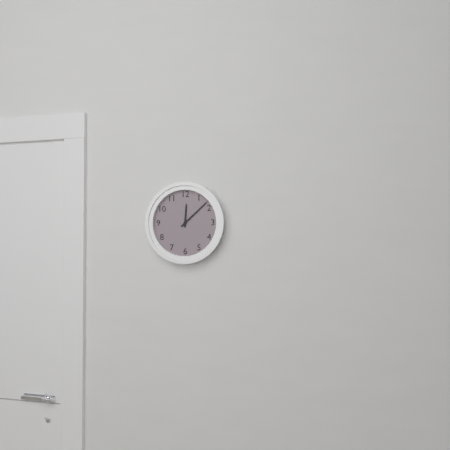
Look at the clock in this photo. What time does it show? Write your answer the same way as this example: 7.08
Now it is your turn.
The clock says 12.08
